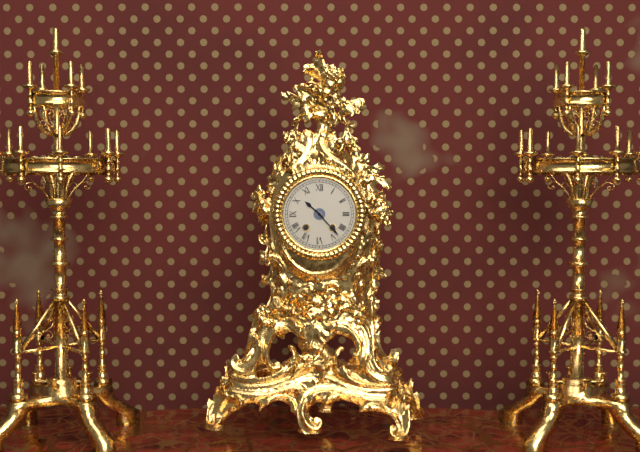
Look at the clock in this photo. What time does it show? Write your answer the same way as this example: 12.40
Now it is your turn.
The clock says 10.23
